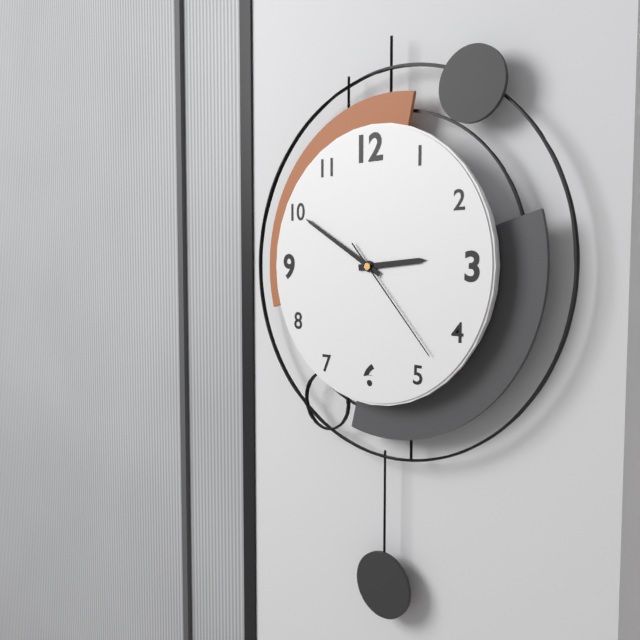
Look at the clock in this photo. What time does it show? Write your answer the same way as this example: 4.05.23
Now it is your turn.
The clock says 2.50.23
